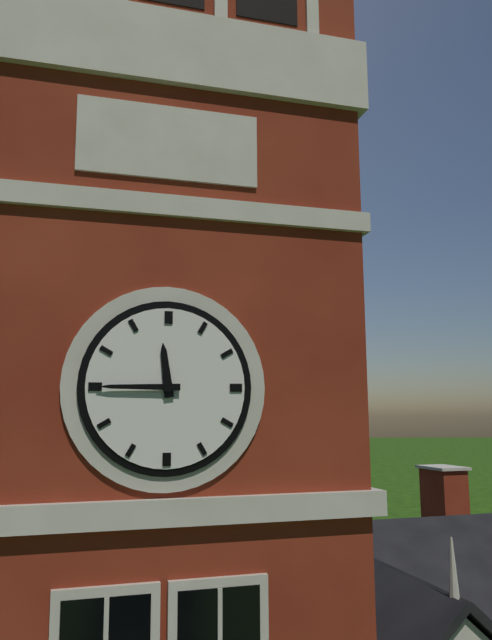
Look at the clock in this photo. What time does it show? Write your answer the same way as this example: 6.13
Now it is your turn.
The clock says 11.45
